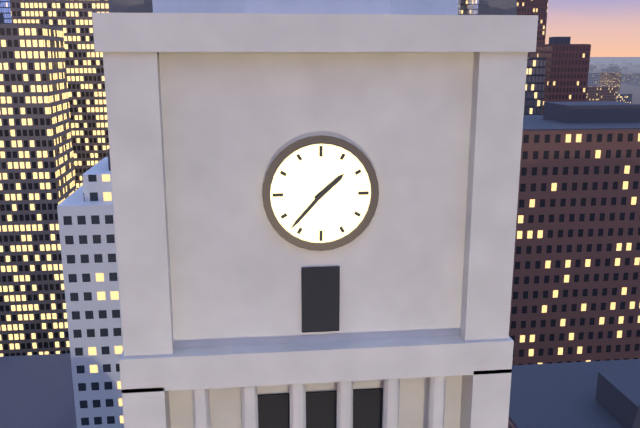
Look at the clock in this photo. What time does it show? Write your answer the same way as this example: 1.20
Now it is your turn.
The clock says 1.37
